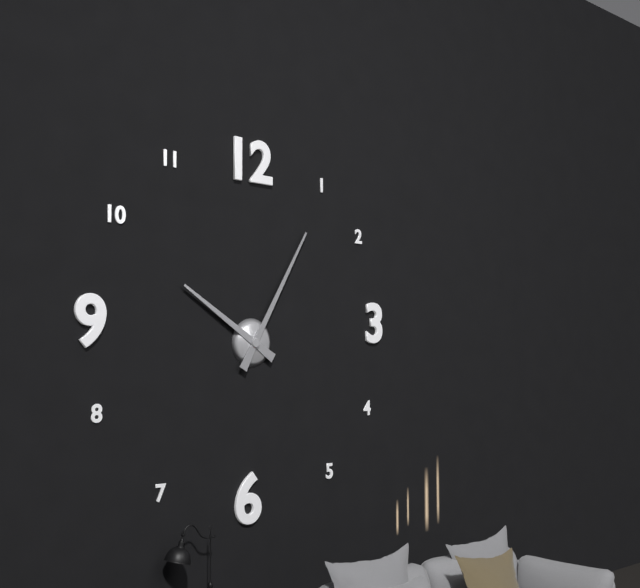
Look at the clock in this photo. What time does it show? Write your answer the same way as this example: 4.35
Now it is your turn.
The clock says 10.05
